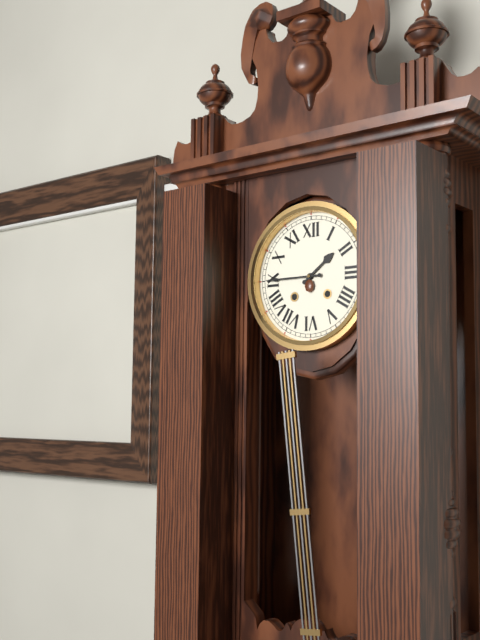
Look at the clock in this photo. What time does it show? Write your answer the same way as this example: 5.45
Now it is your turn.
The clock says 1.45
